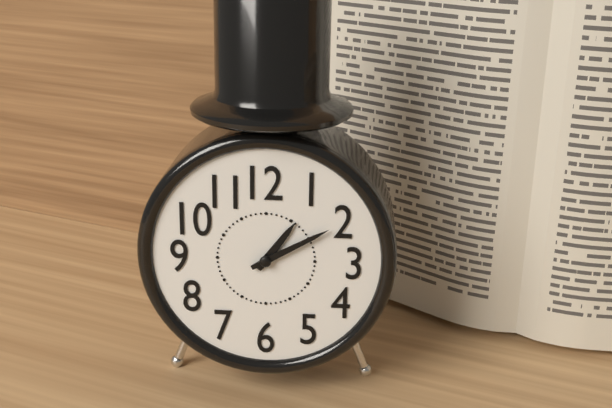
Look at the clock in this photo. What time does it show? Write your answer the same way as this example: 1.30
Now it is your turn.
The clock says 1.10
